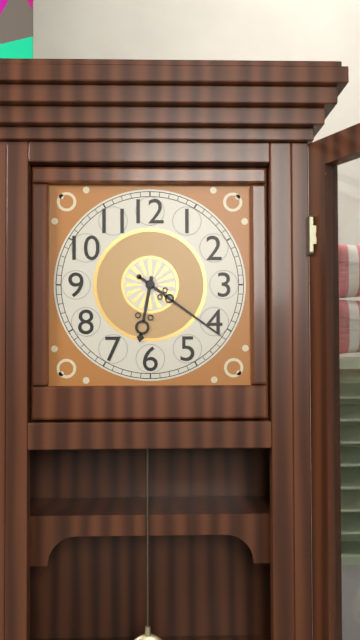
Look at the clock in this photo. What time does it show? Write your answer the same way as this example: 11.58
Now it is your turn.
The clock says 6.21
